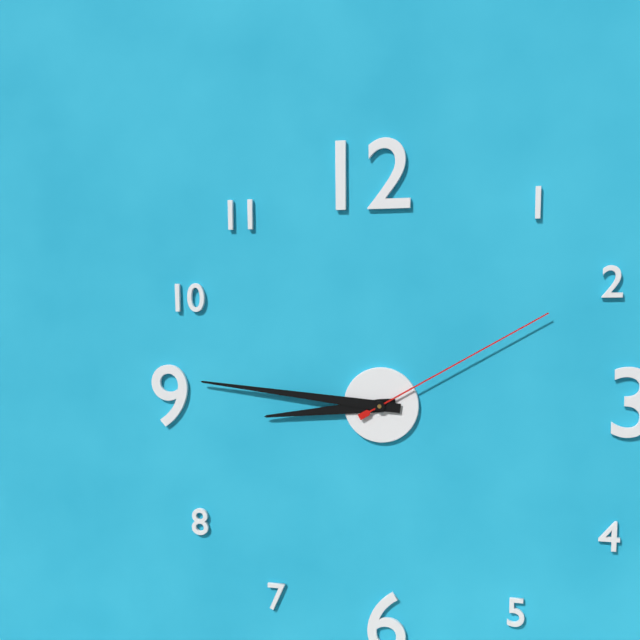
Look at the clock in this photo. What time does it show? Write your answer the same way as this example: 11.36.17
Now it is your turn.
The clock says 8.46.10
